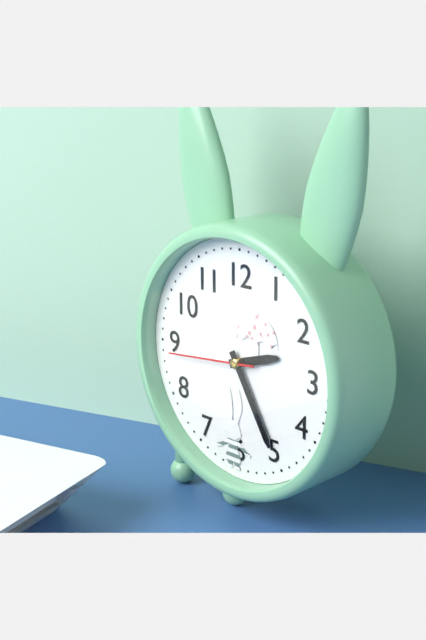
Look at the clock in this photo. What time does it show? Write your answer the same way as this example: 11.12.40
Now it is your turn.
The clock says 2.25.44
